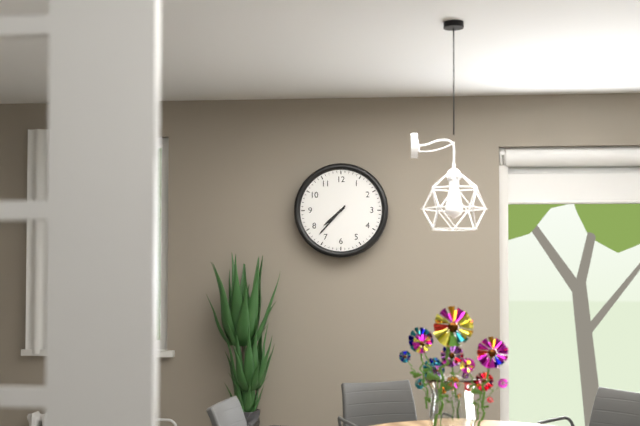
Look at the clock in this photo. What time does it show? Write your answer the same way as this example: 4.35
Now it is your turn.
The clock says 7.37
